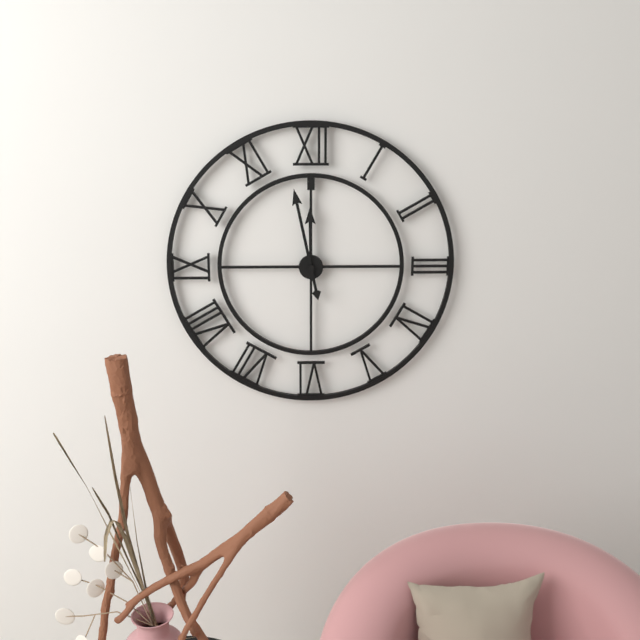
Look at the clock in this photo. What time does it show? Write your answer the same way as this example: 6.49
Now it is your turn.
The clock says 11.58
